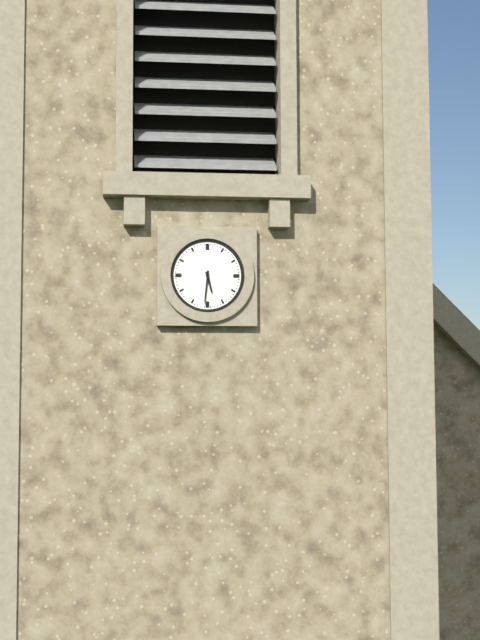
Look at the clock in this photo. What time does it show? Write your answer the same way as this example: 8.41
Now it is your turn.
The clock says 5.31
